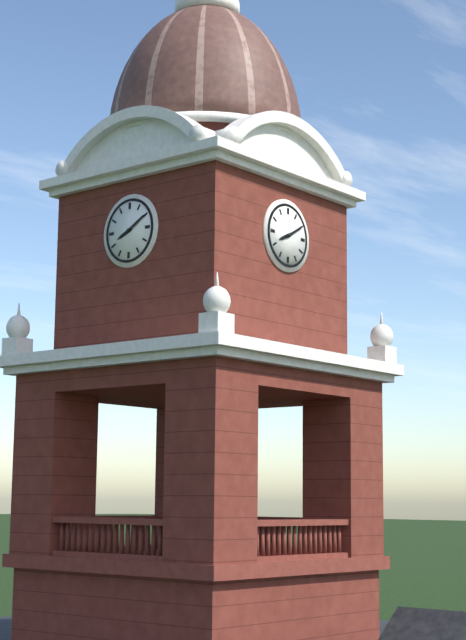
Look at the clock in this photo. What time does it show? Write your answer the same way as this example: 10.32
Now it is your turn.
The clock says 8.10
